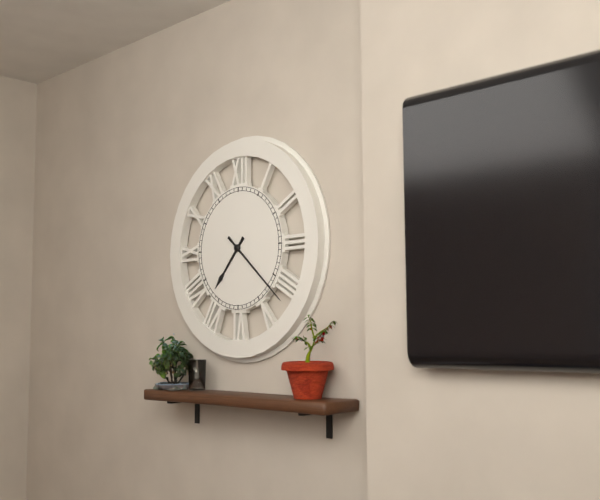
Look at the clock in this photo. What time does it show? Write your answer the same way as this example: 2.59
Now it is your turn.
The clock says 7.22
